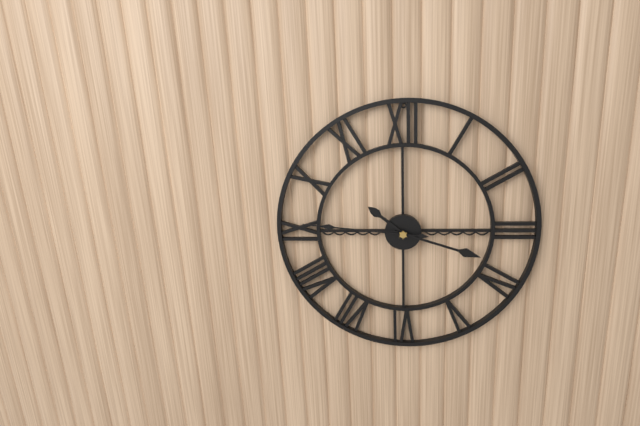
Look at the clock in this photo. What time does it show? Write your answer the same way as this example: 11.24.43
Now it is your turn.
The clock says 10.18.46
